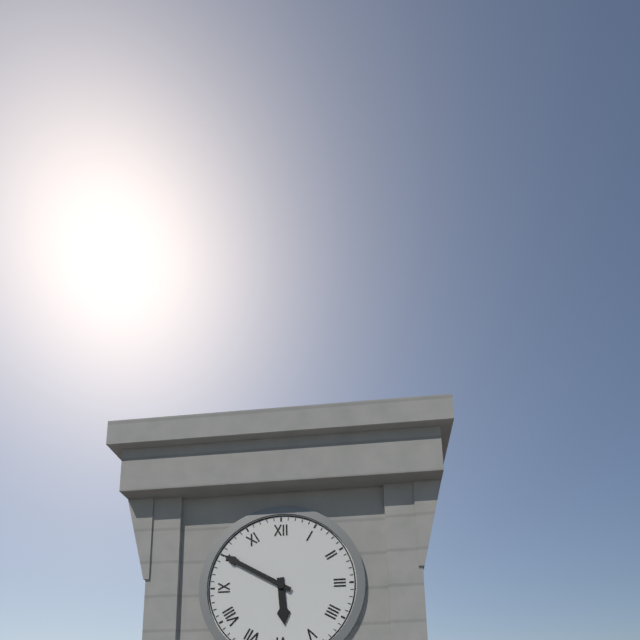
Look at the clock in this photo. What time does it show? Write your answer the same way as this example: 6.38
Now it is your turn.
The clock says 5.50
